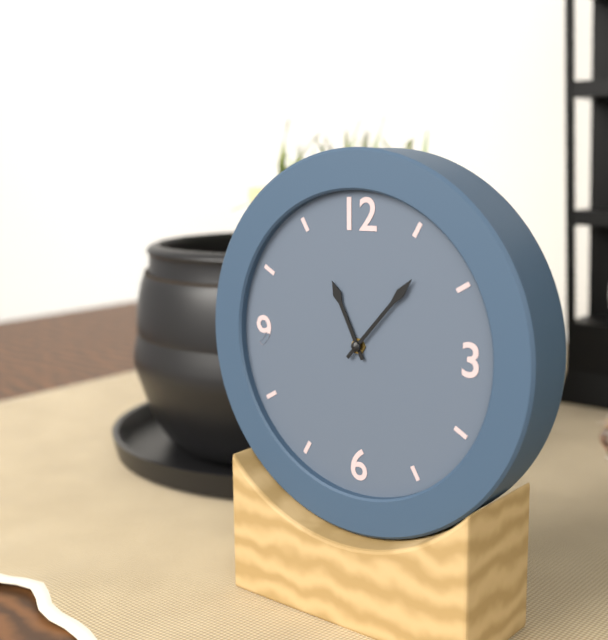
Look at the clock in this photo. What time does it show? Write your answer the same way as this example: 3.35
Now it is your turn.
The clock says 11.07
